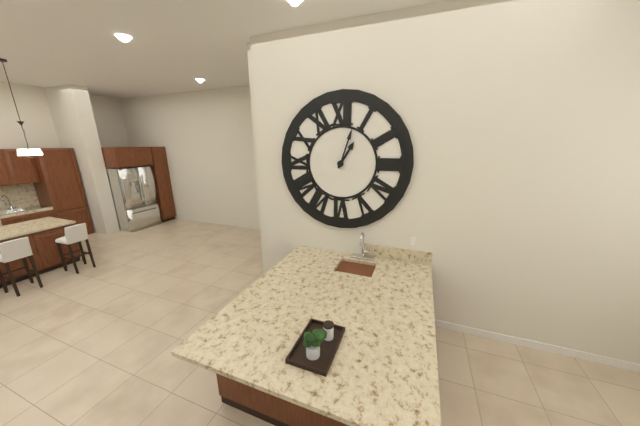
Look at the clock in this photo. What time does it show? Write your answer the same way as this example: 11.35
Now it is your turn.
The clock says 1.03
